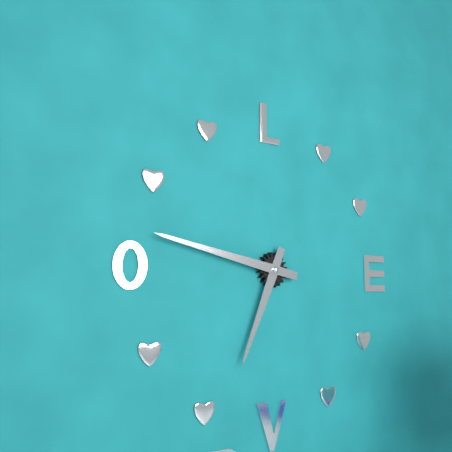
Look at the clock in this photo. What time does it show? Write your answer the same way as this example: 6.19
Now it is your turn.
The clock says 6.47
